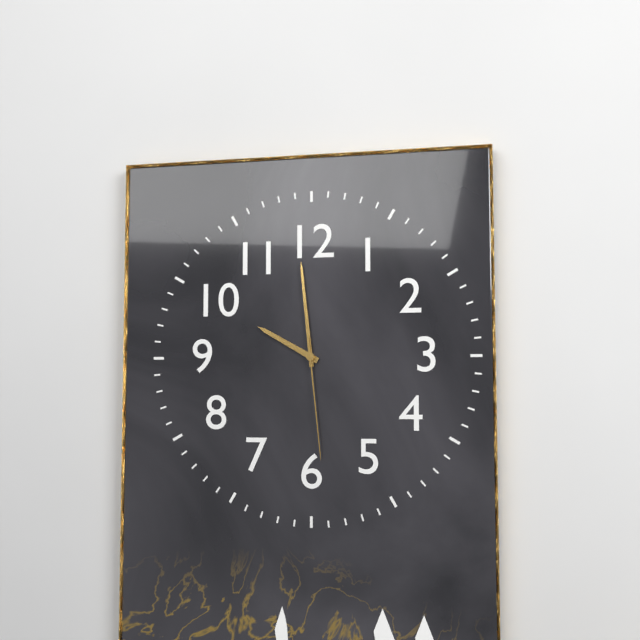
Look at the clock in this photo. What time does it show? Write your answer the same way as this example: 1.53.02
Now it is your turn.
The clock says 9.59.29
